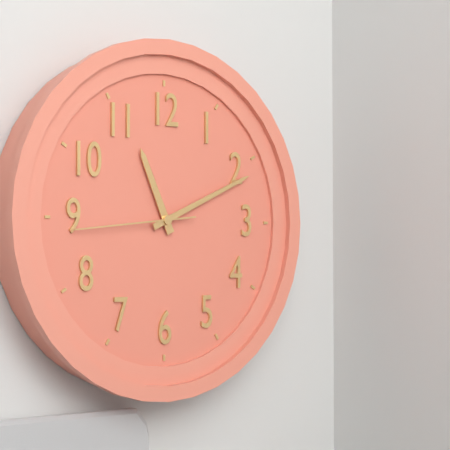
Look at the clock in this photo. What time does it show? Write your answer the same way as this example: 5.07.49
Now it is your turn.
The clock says 11.11.44
